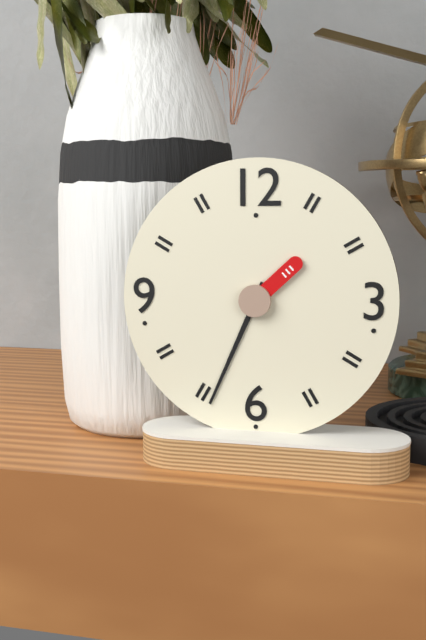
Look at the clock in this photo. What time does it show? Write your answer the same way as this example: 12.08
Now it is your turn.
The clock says 1.34
